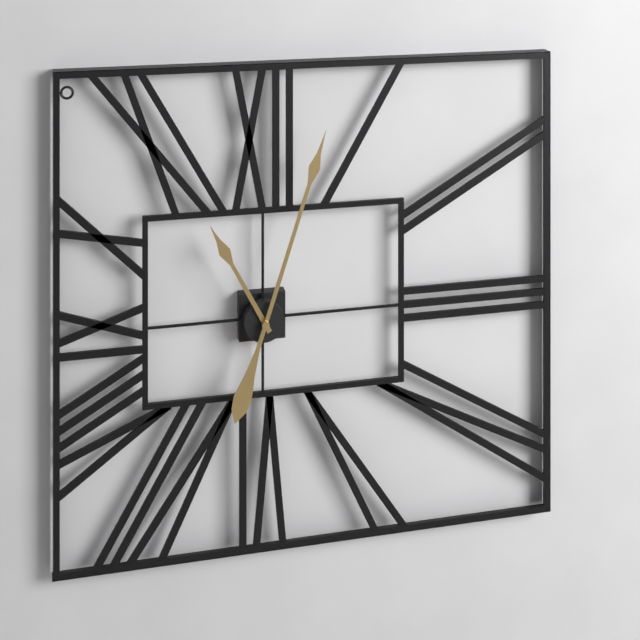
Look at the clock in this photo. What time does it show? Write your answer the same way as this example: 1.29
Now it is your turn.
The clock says 11.03
